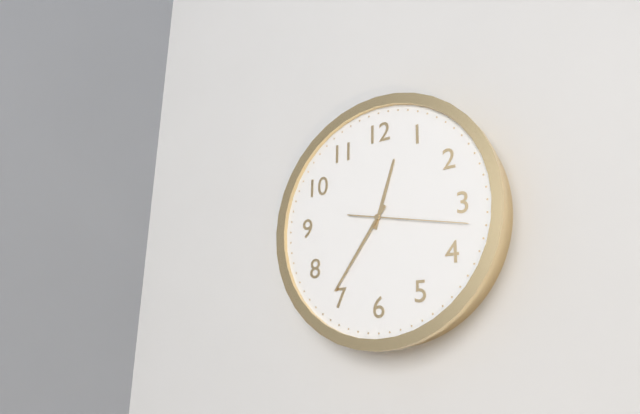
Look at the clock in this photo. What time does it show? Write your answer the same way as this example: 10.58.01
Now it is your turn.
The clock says 12.36.17
